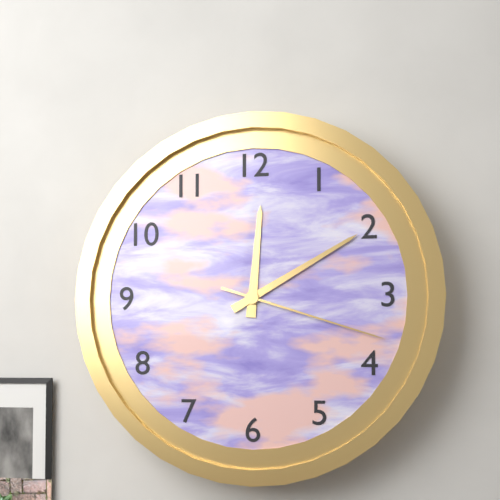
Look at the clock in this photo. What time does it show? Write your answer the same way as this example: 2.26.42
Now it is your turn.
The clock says 12.10.18
